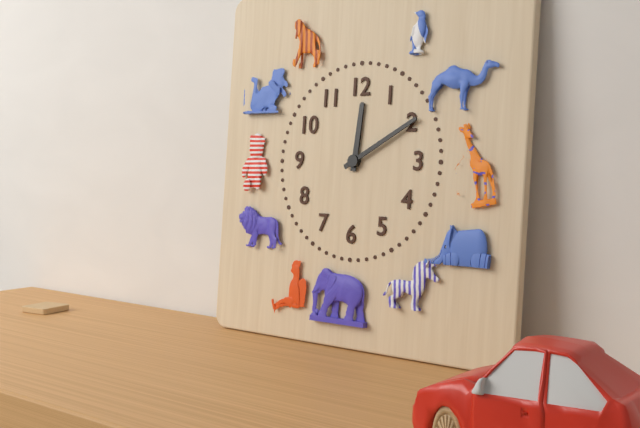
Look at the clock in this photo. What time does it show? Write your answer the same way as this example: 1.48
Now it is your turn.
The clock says 12.10
